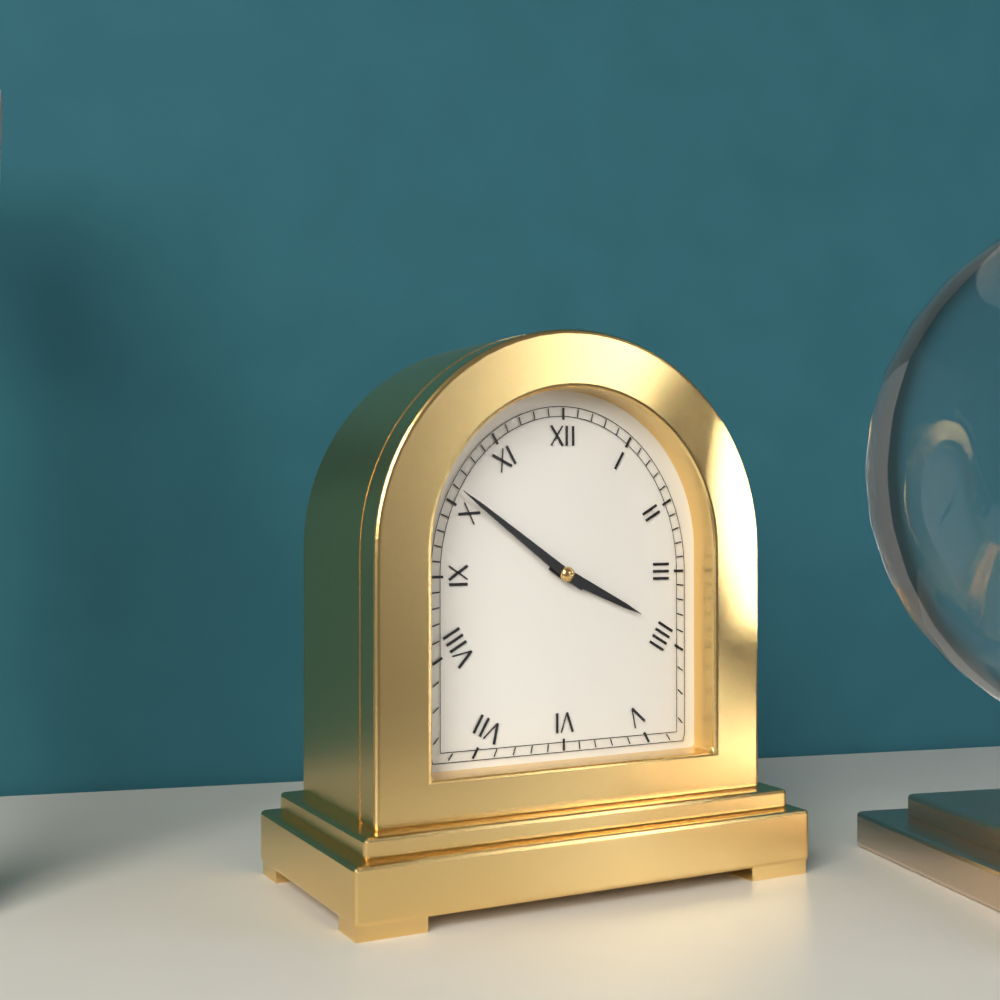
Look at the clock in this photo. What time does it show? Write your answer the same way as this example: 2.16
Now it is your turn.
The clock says 3.51
